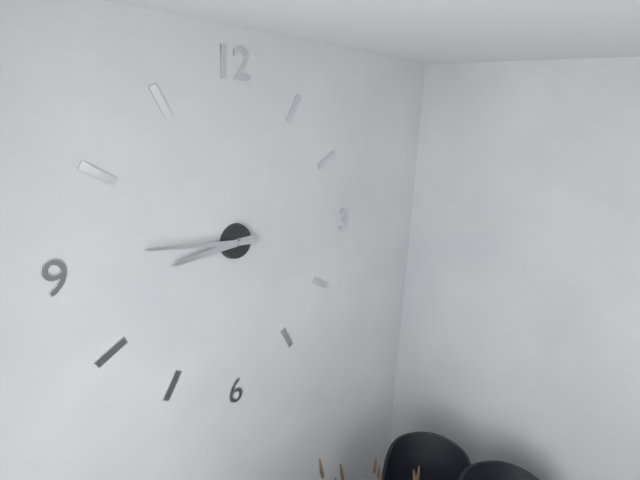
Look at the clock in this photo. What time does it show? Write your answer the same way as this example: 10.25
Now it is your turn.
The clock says 8.46
